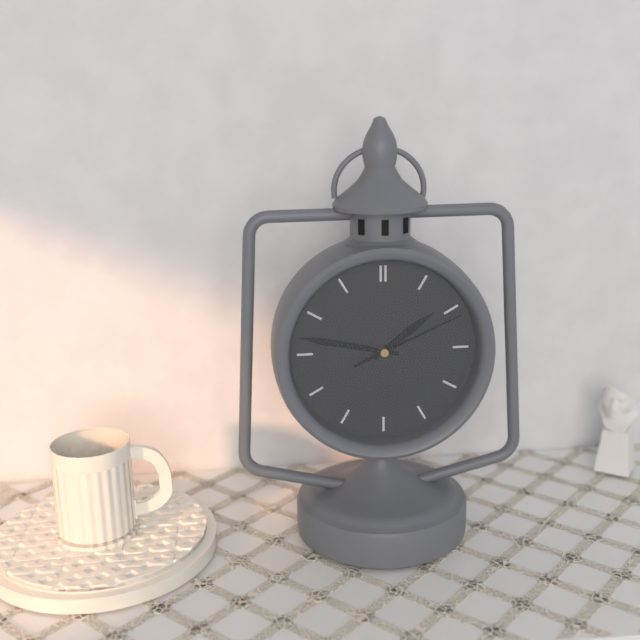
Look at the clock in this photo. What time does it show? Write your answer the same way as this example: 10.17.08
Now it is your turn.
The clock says 1.47.11
